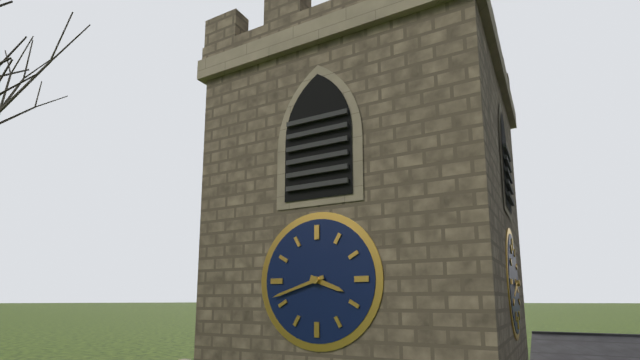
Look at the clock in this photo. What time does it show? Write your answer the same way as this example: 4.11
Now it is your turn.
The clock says 3.42
